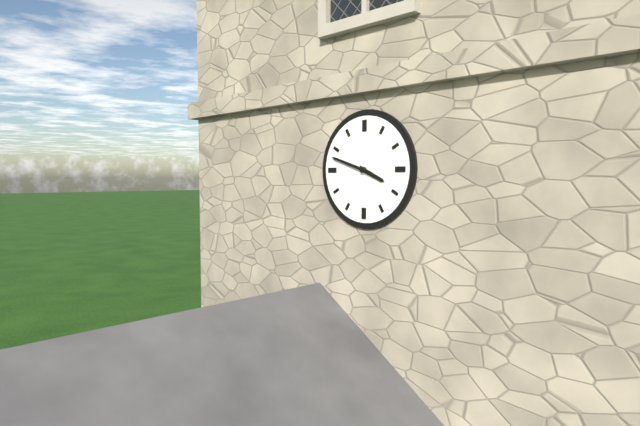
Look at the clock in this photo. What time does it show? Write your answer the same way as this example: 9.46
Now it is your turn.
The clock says 3.48
